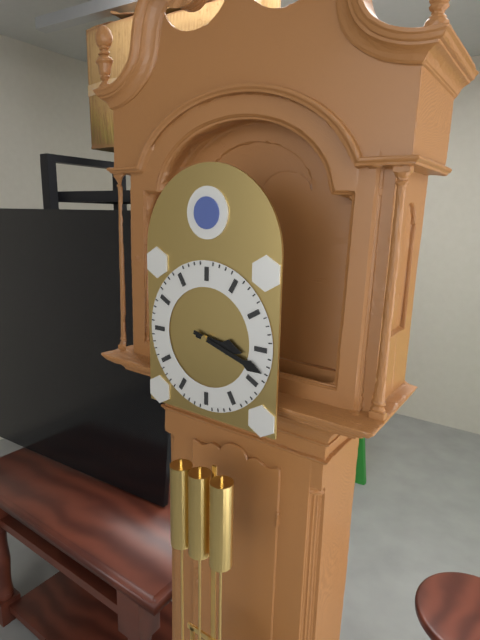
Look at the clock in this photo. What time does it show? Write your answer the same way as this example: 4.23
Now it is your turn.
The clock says 3.18
